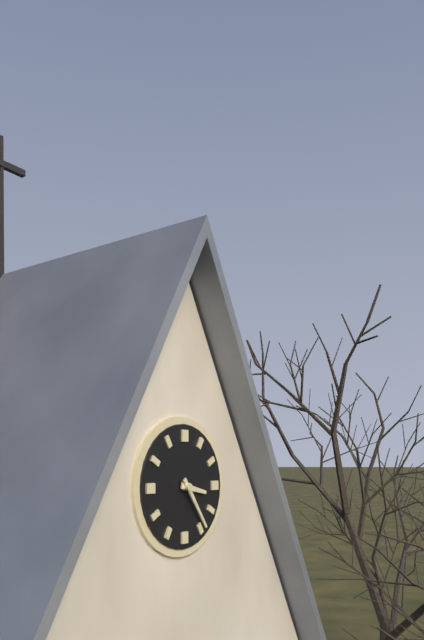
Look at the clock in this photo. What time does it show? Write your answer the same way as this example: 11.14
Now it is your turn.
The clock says 3.24
